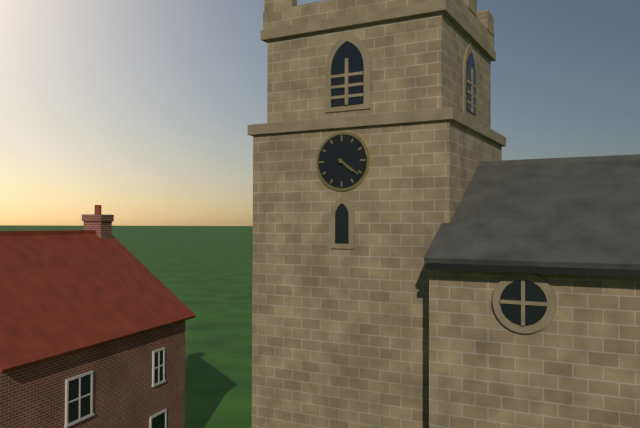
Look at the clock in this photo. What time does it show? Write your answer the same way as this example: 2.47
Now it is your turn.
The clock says 4.21
